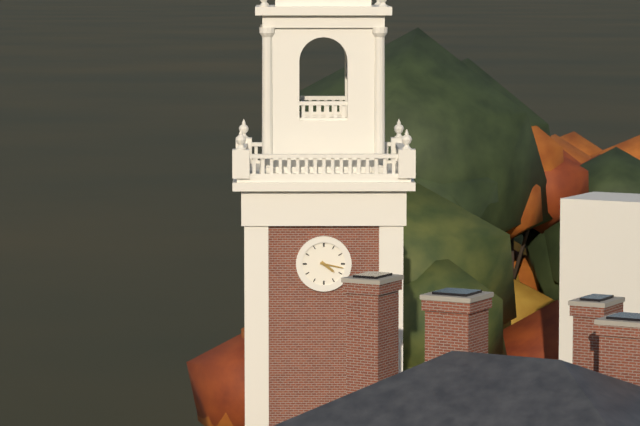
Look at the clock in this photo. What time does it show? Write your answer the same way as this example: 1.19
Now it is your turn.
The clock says 4.17
